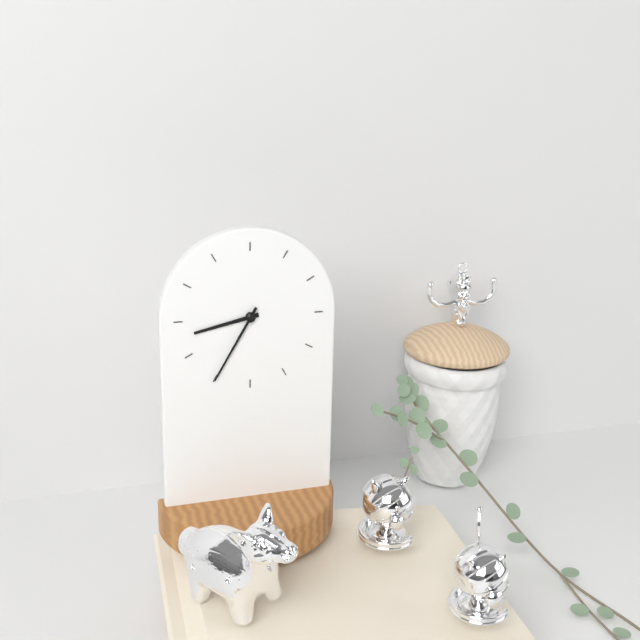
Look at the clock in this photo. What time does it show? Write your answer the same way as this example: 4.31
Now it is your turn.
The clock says 8.35
